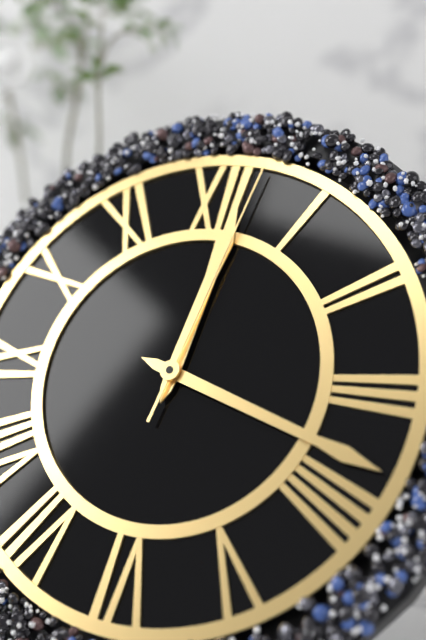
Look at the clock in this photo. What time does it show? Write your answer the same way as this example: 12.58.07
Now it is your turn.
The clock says 12.18.02
